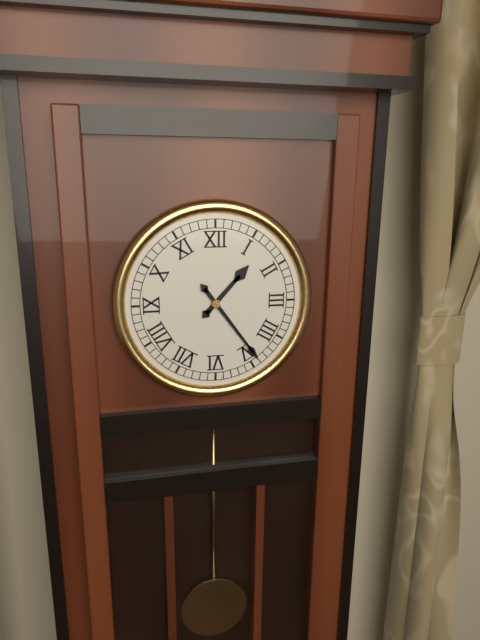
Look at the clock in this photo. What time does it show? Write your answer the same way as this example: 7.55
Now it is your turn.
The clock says 1.24
